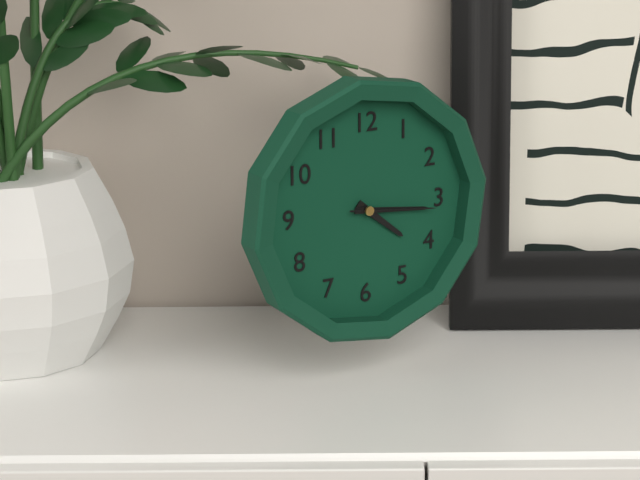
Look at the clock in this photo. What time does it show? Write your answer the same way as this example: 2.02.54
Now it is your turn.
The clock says 4.16.16
